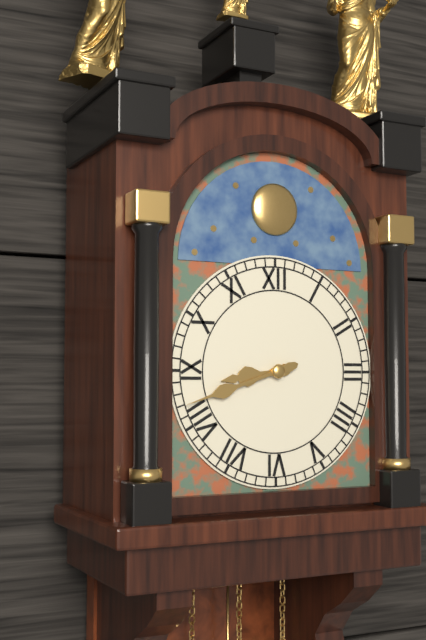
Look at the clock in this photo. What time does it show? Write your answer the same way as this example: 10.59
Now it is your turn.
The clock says 8.42
